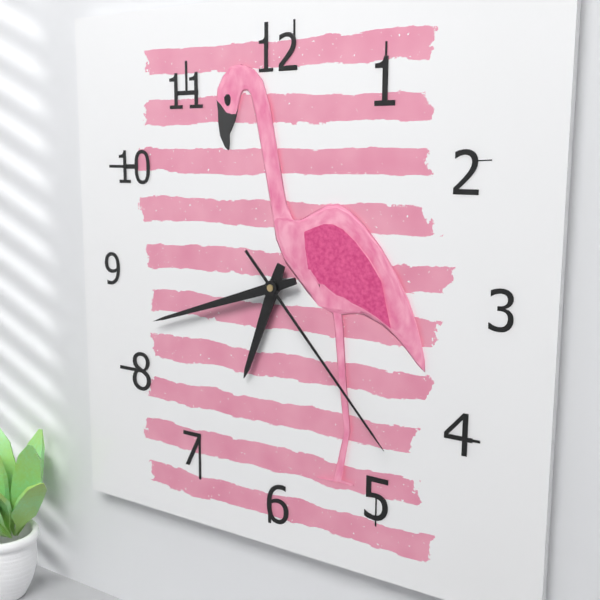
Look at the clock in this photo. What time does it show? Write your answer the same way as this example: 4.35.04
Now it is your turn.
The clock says 6.42.23
